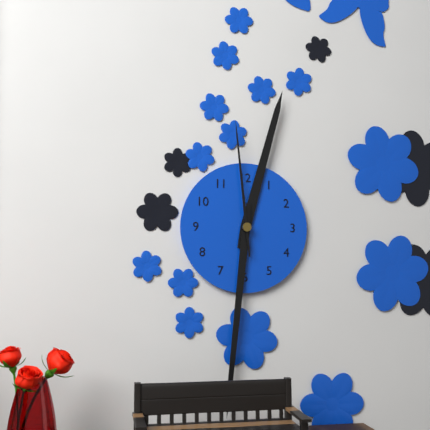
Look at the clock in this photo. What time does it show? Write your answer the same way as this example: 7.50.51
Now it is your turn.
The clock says 12.31.59
